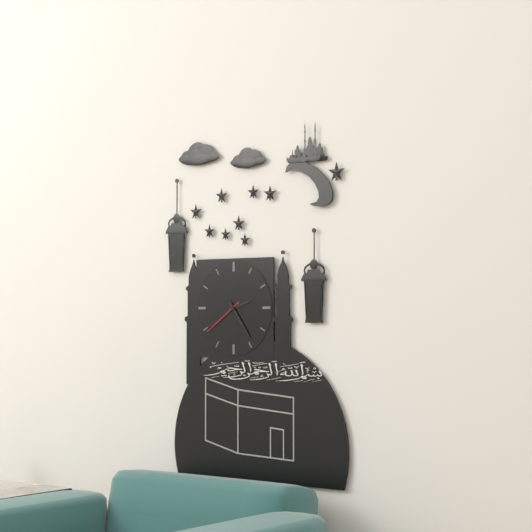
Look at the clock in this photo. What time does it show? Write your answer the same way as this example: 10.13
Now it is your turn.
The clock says 2.24
